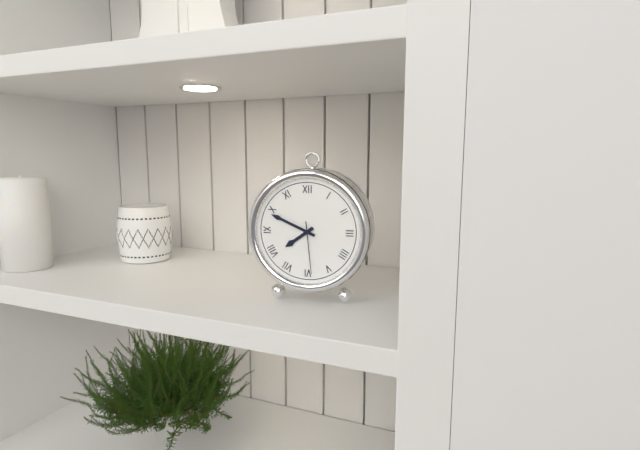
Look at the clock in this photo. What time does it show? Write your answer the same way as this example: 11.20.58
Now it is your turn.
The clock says 7.49.29
